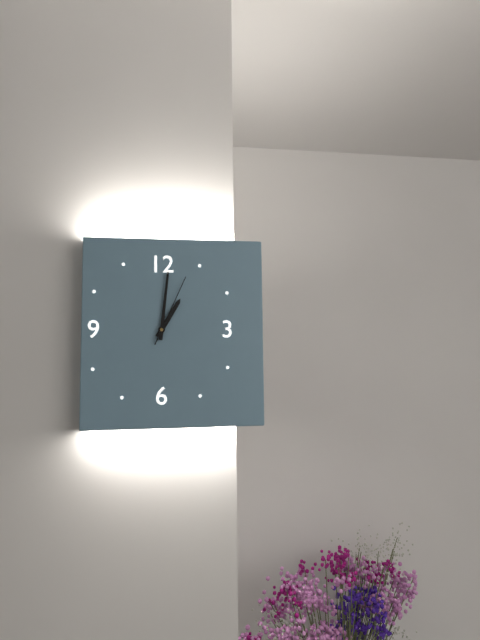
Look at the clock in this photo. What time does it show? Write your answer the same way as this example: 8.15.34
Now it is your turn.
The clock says 1.01.04
